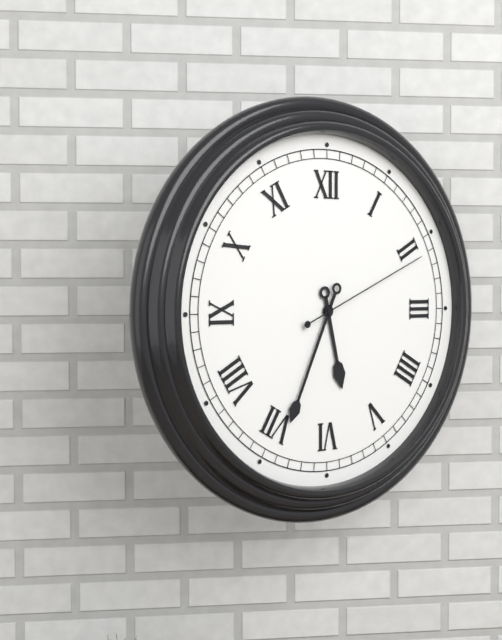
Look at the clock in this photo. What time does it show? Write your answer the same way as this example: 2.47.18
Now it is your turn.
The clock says 5.34.11
